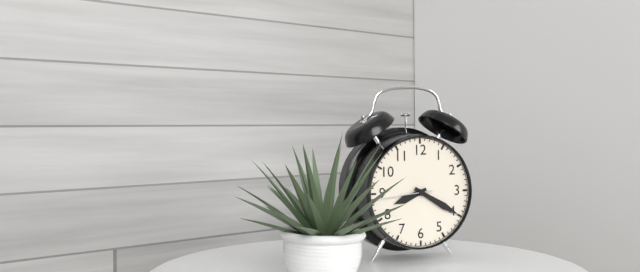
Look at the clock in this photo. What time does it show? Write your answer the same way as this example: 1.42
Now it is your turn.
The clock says 8.20
